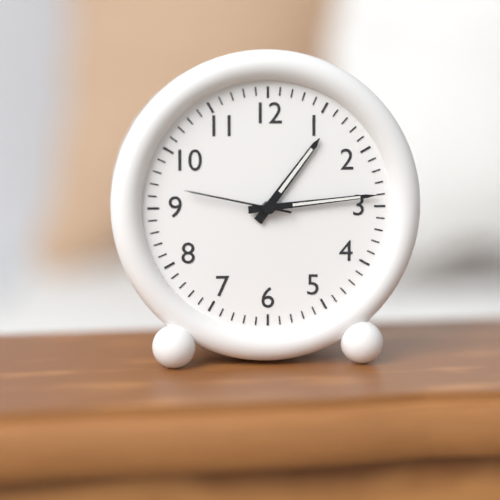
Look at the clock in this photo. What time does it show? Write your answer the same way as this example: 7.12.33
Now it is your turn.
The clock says 1.14.47
